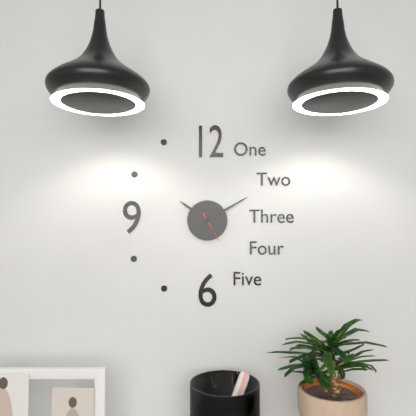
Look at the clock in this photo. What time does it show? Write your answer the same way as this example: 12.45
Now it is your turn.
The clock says 10.10
